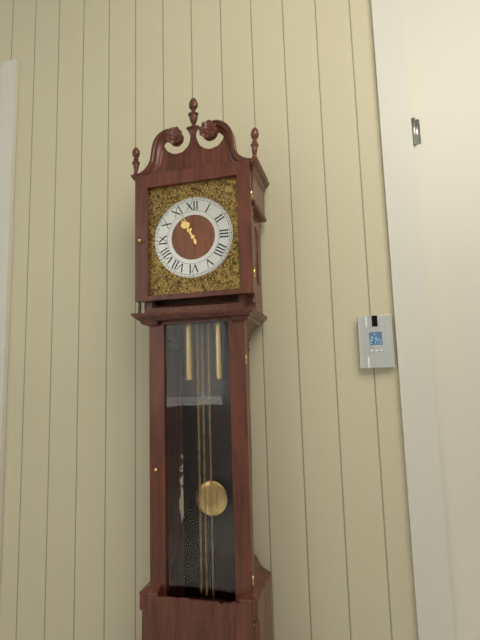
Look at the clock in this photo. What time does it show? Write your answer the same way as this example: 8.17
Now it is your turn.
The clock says 10.56
